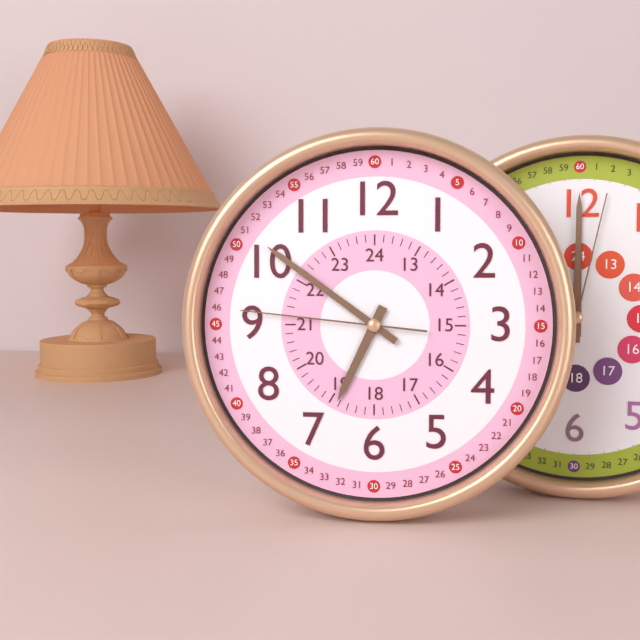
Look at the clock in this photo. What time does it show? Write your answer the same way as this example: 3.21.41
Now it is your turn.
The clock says 6.51.46
